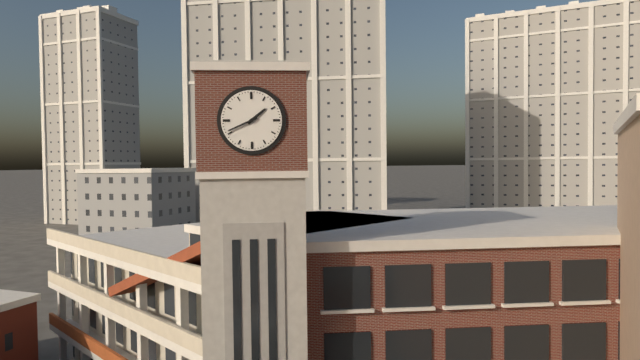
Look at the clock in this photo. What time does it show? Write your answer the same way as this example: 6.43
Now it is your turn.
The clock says 1.41
